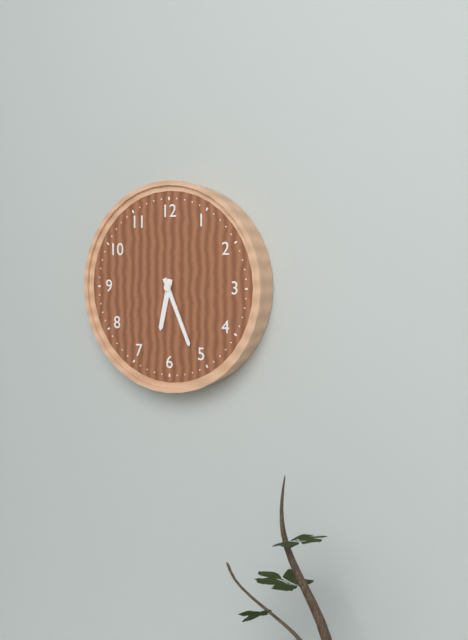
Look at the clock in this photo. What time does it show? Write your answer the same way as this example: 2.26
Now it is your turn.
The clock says 6.26
